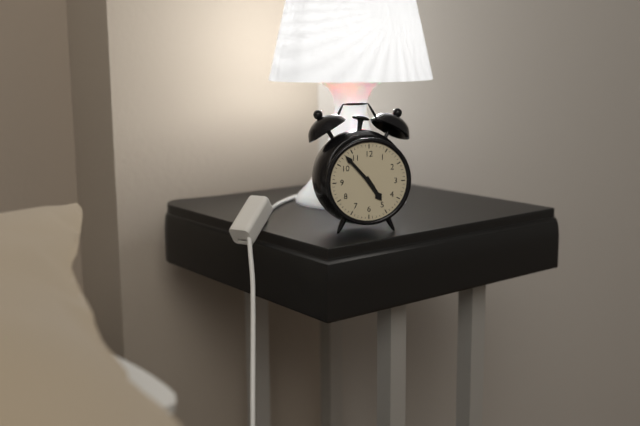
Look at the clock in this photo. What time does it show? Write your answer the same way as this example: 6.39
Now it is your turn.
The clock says 4.53
